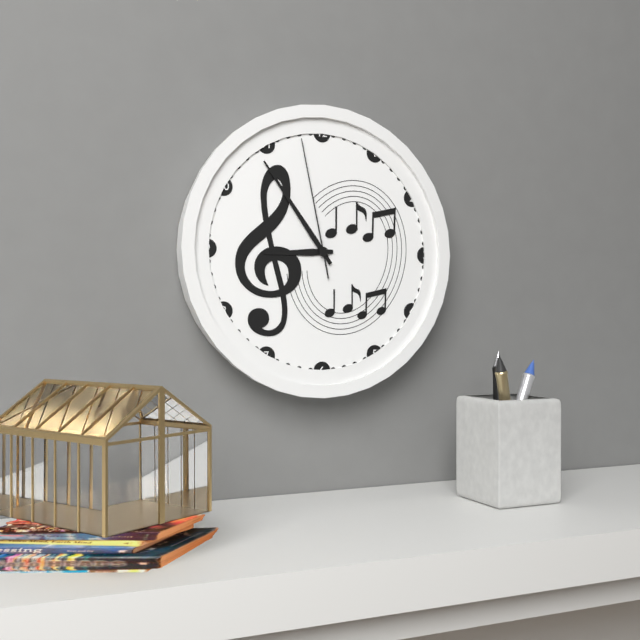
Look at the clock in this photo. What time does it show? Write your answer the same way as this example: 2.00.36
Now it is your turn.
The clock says 8.54.58
